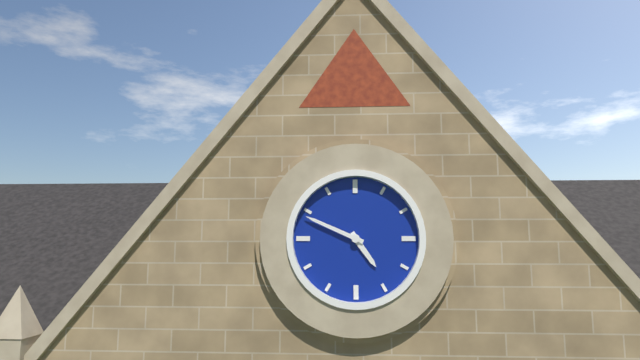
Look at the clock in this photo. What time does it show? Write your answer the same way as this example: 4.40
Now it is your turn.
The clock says 4.49
